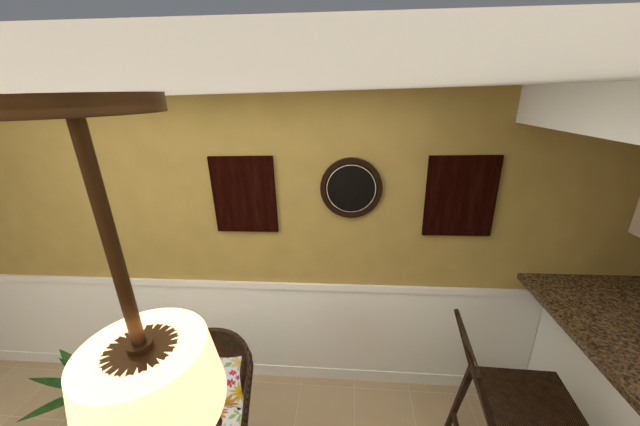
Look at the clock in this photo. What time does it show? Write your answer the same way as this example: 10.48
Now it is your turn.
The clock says 4.32
